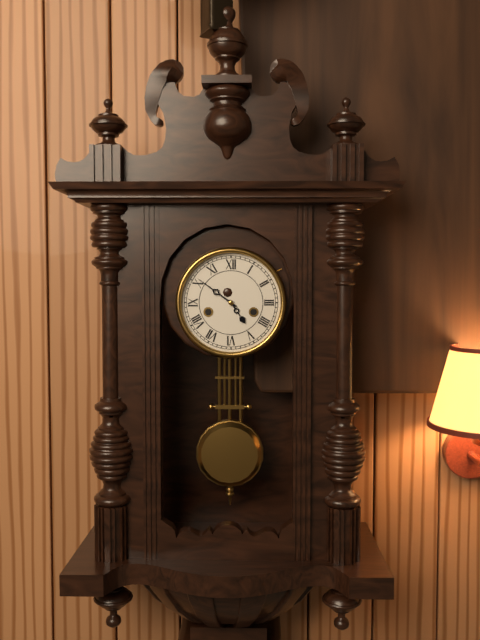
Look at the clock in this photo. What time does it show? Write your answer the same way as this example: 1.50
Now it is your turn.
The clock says 4.51
